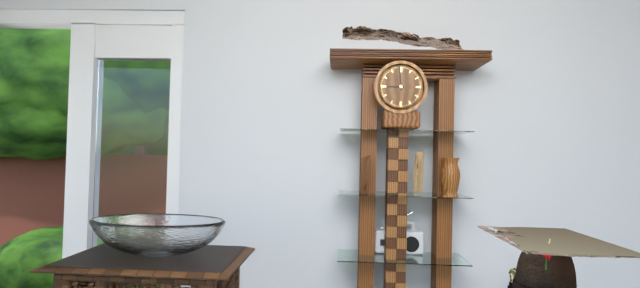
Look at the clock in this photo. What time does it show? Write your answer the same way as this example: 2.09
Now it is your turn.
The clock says 8.59
